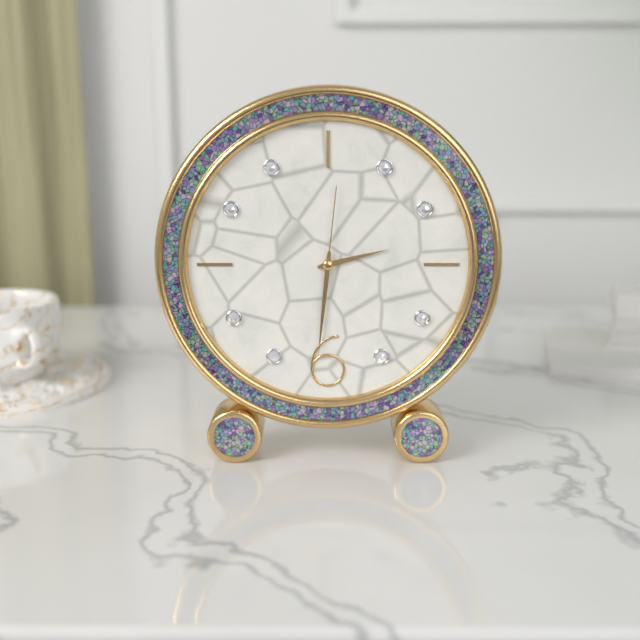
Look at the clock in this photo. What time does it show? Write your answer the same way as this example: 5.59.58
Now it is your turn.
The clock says 2.31.01
